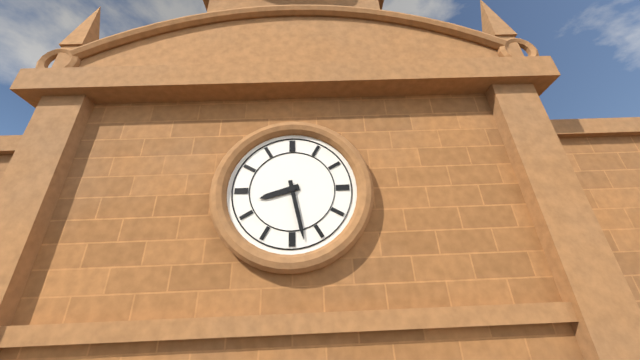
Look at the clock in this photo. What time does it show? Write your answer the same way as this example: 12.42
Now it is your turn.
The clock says 8.28
